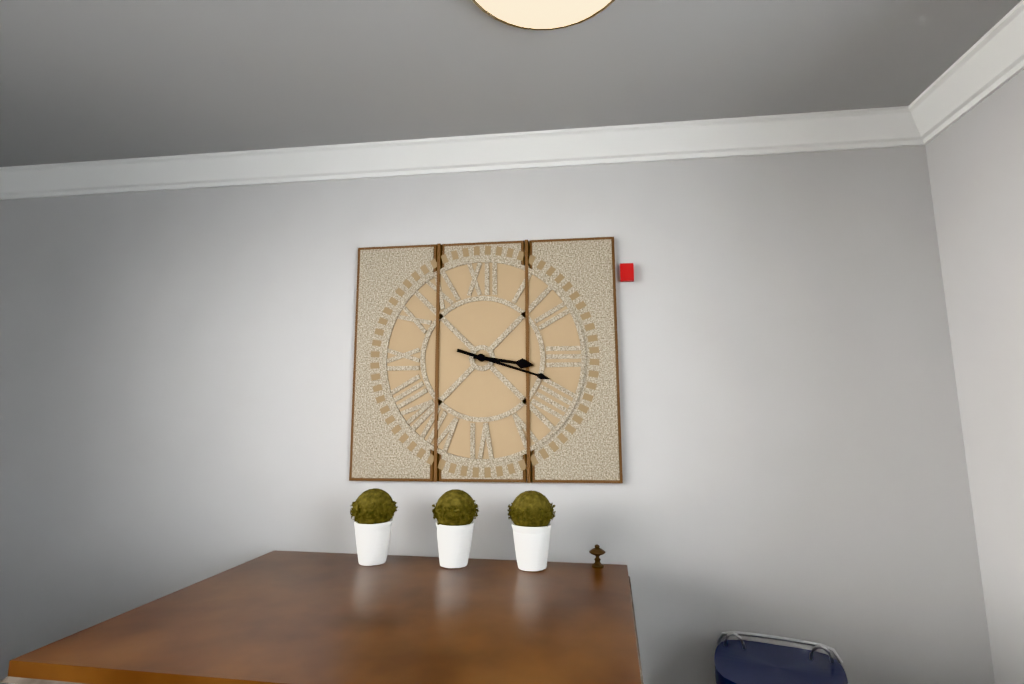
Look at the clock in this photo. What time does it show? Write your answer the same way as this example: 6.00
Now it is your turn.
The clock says 3.18
